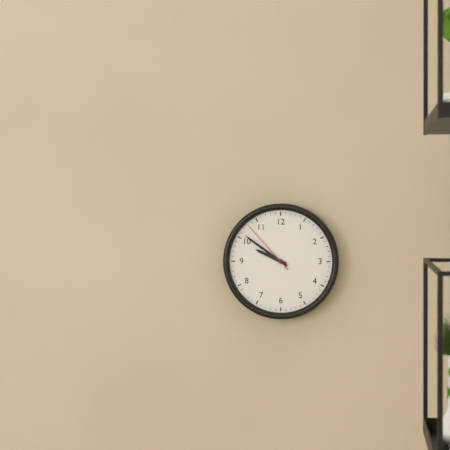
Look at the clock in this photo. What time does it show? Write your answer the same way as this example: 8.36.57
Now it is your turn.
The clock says 9.51.53
